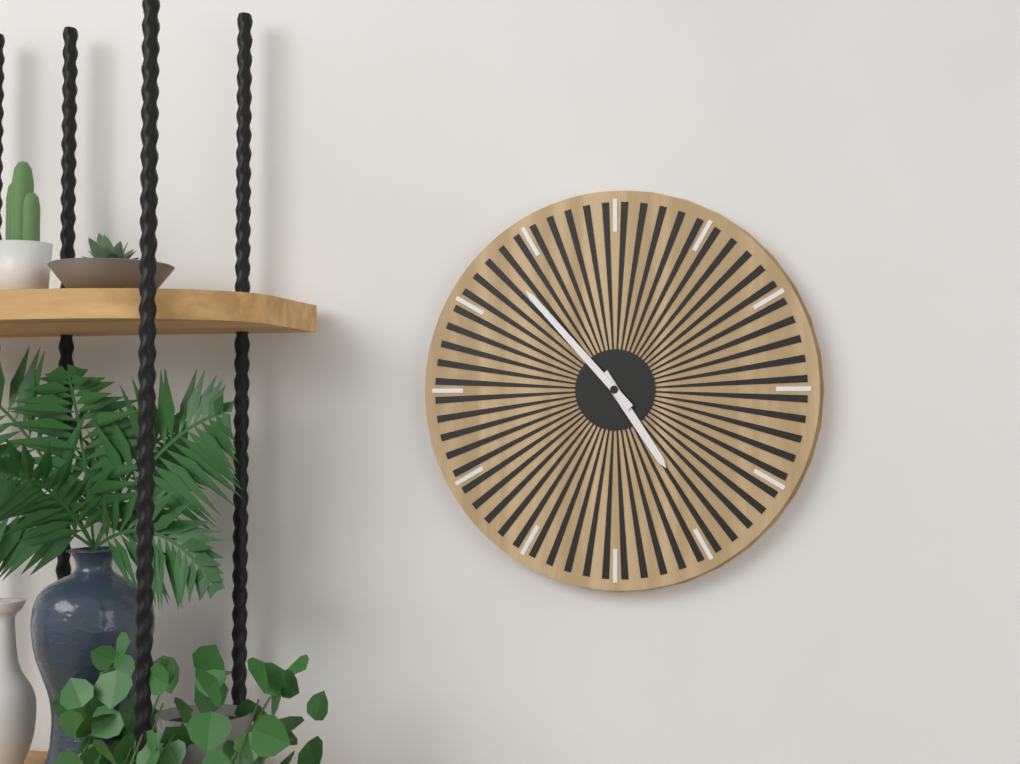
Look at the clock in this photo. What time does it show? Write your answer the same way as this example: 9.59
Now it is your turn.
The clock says 4.53
